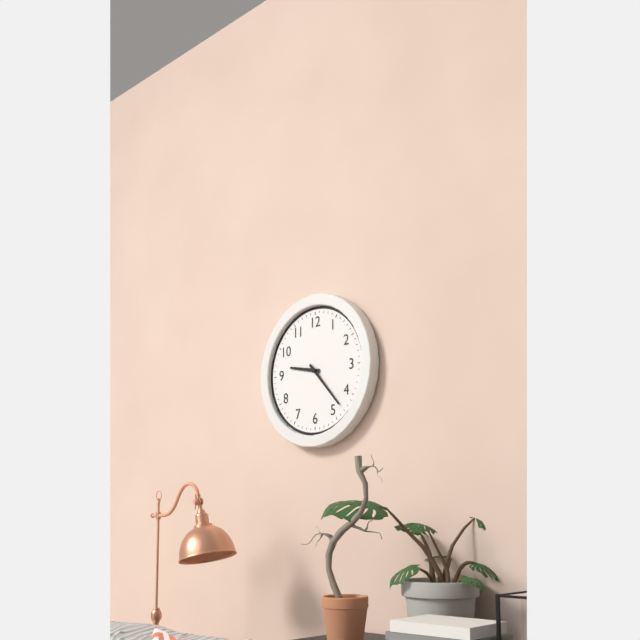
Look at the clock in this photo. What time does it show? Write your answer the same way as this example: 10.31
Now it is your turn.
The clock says 9.23
